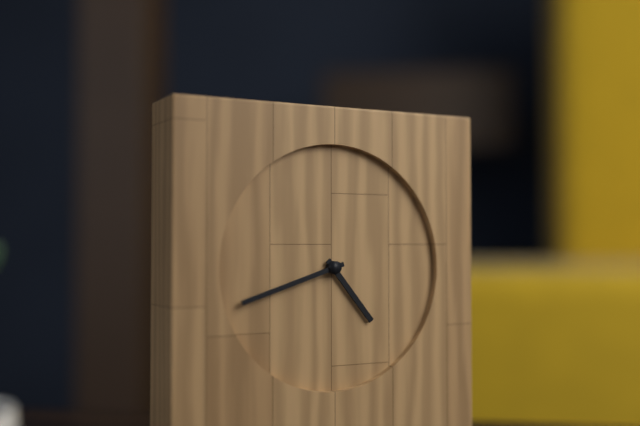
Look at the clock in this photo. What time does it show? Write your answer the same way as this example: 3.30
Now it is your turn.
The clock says 4.42
